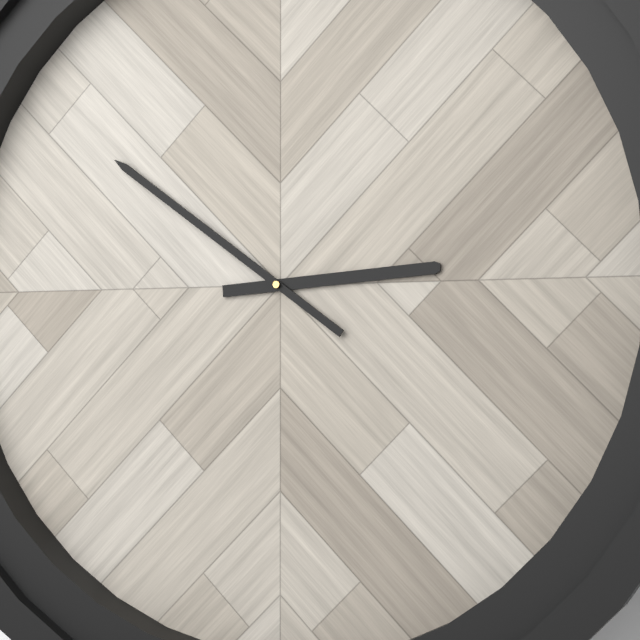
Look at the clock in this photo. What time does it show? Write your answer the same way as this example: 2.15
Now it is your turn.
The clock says 2.51
